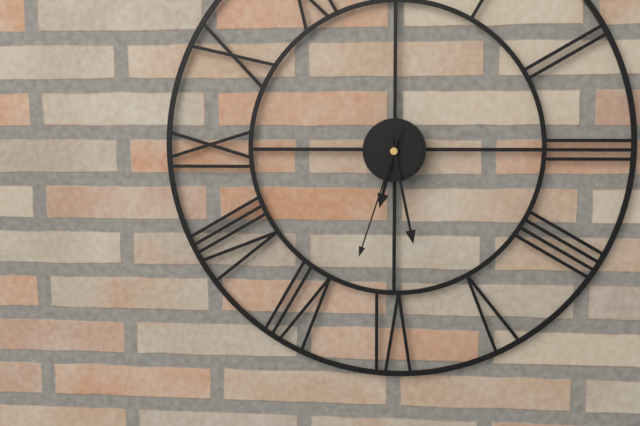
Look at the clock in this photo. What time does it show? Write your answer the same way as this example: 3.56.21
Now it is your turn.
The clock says 6.28.33
